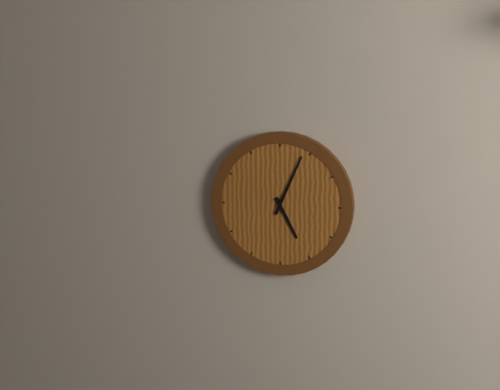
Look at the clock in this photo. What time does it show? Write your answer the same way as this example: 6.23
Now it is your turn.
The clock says 5.04
